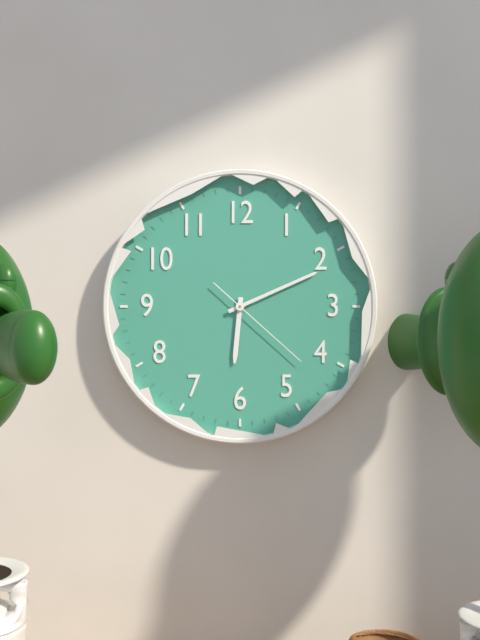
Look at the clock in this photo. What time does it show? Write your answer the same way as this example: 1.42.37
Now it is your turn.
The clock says 6.11.22
